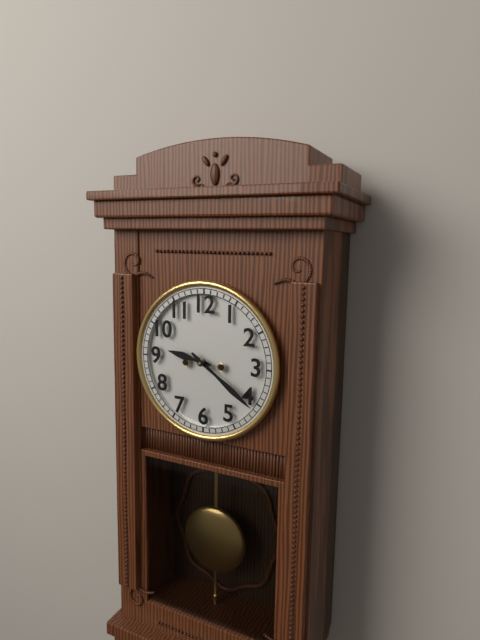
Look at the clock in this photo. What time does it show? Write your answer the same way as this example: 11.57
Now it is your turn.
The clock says 9.21
